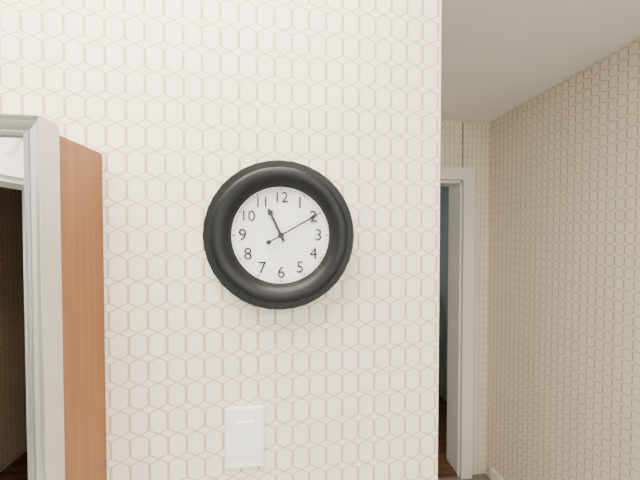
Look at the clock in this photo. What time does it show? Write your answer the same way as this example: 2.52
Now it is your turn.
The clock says 11.10
